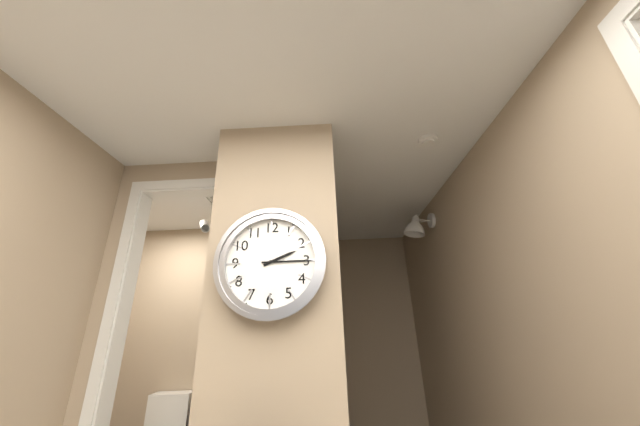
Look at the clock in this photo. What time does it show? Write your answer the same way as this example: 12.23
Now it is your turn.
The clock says 2.15
